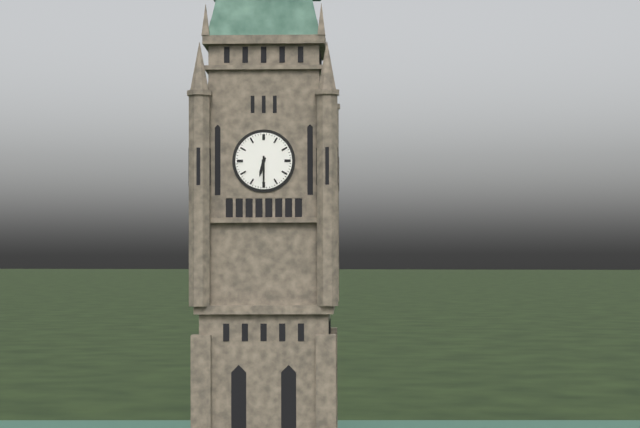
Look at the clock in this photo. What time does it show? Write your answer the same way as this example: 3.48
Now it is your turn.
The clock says 6.30
